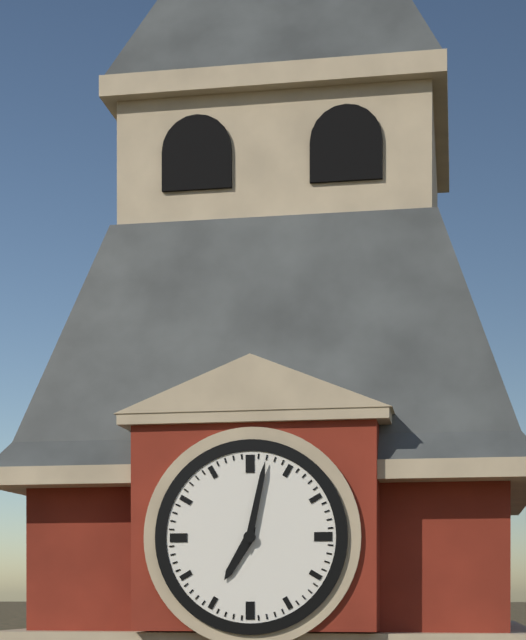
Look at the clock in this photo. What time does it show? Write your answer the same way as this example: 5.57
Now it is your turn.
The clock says 7.02
